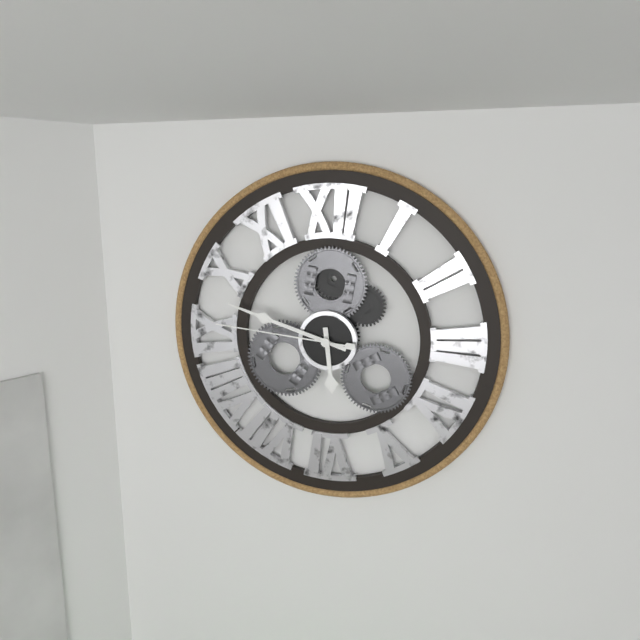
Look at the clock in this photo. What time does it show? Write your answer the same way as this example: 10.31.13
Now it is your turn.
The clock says 5.48.46
